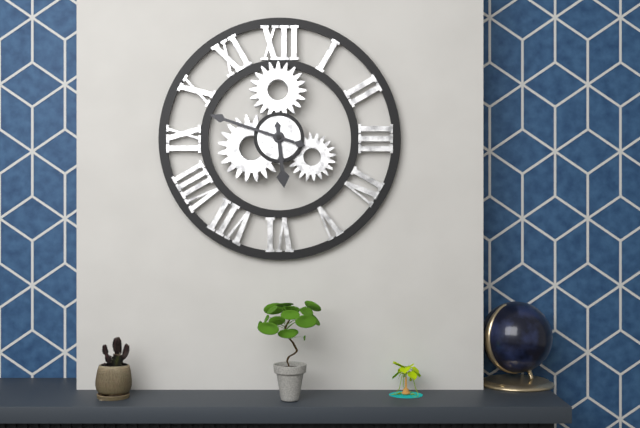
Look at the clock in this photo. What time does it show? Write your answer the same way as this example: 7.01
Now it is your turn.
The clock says 5.48
